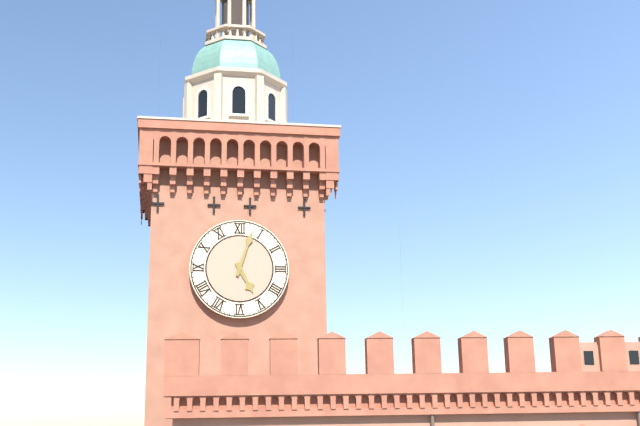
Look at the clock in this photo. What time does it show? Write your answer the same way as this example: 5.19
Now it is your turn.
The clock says 5.03
